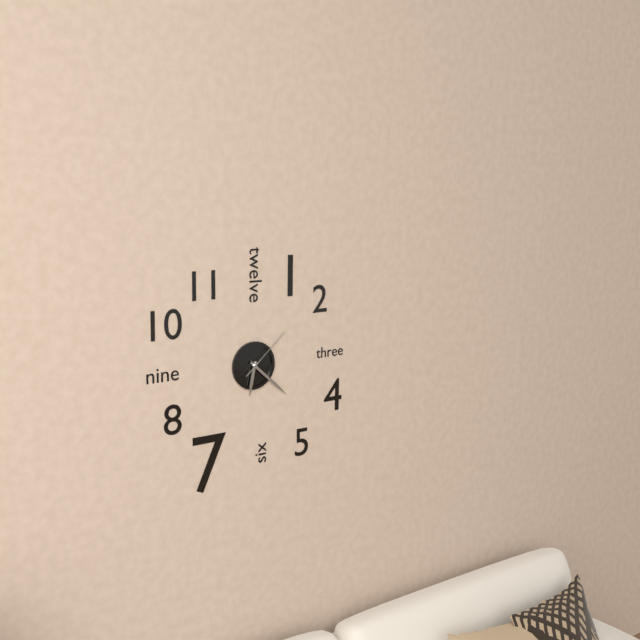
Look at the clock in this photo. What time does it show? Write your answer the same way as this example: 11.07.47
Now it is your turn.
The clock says 6.22.08
